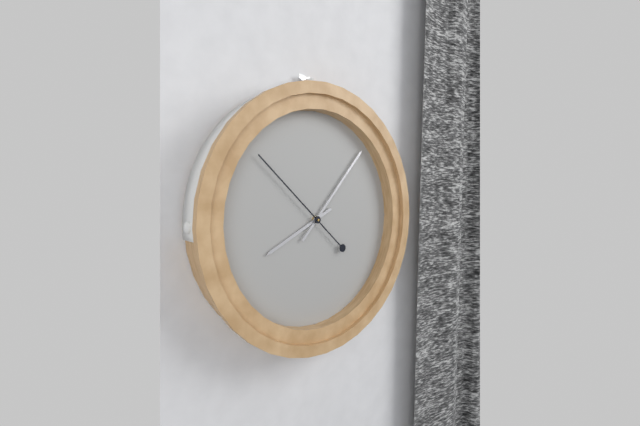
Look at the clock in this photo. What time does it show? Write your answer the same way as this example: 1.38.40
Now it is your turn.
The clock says 8.07.52
